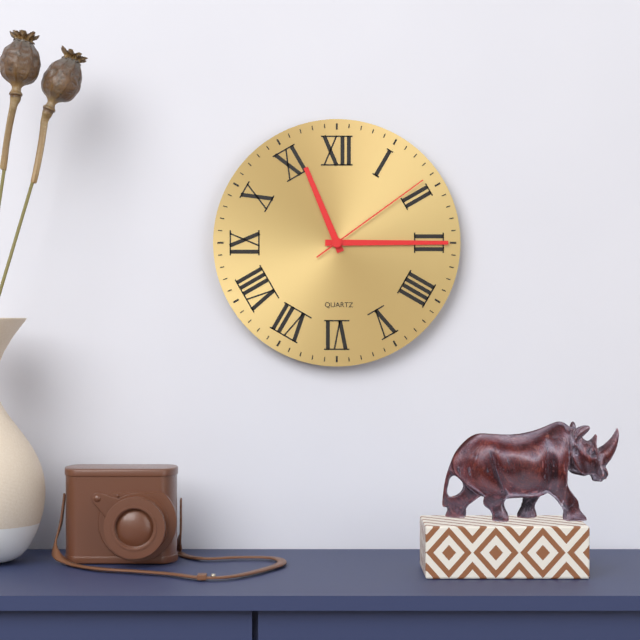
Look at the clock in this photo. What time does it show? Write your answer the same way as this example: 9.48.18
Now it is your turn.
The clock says 11.15.09
